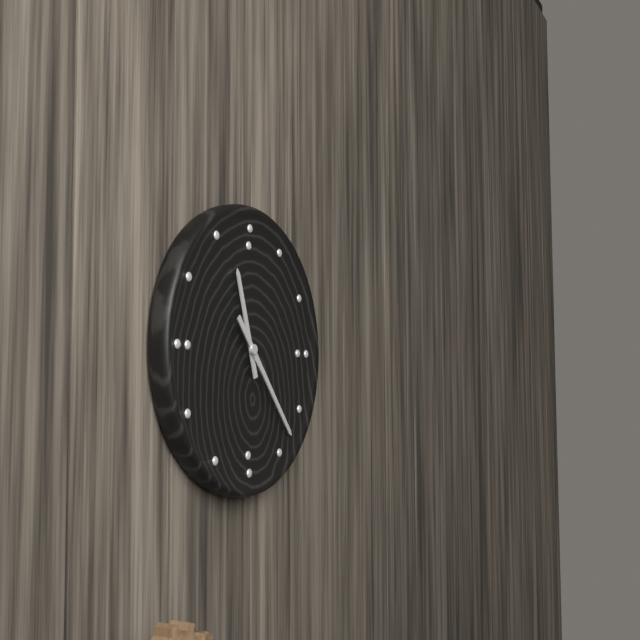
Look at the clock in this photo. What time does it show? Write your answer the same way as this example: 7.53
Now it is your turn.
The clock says 11.23
